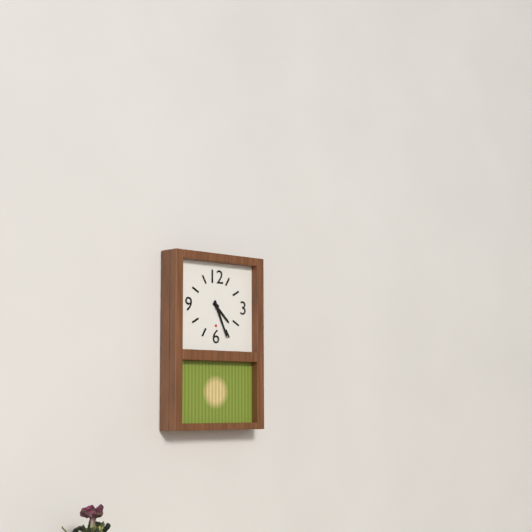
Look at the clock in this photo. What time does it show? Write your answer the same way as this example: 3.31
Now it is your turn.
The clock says 4.26
